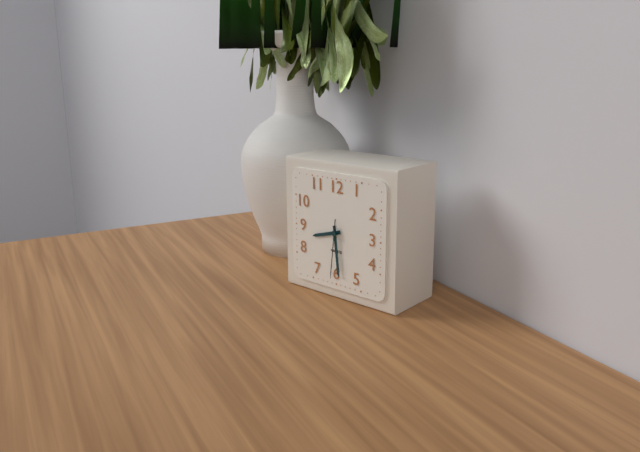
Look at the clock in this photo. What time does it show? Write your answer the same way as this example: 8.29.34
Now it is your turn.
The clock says 8.29.31
